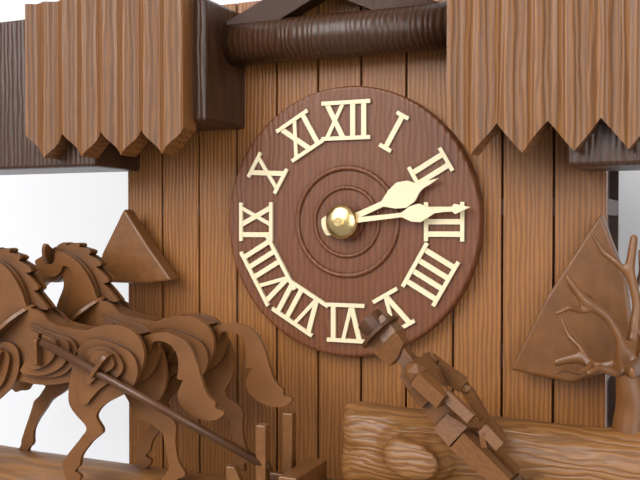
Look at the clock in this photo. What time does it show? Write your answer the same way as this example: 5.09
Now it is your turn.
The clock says 2.14
